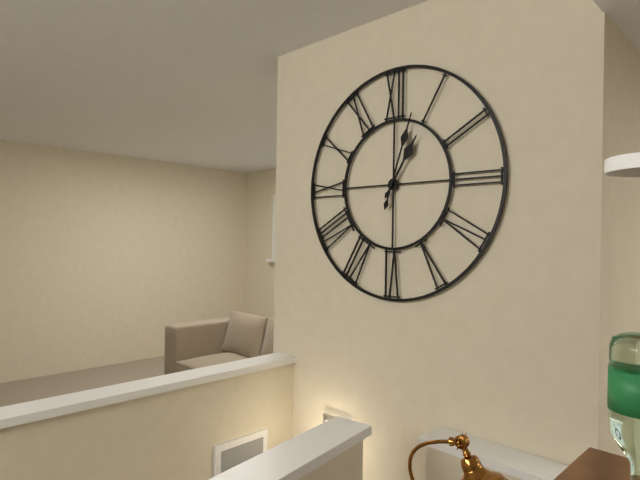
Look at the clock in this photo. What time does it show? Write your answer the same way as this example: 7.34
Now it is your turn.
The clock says 1.03
